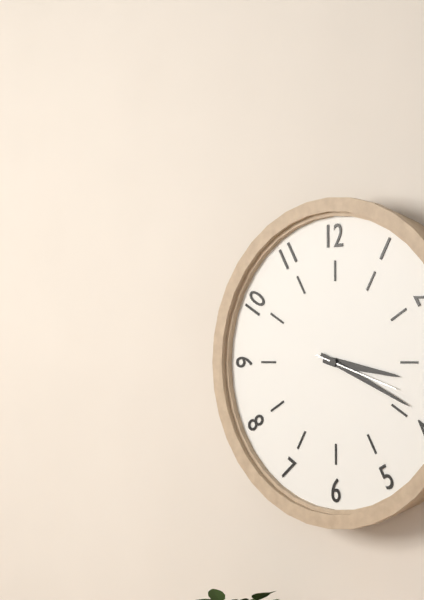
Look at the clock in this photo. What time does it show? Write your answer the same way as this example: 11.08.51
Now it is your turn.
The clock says 3.19.18
